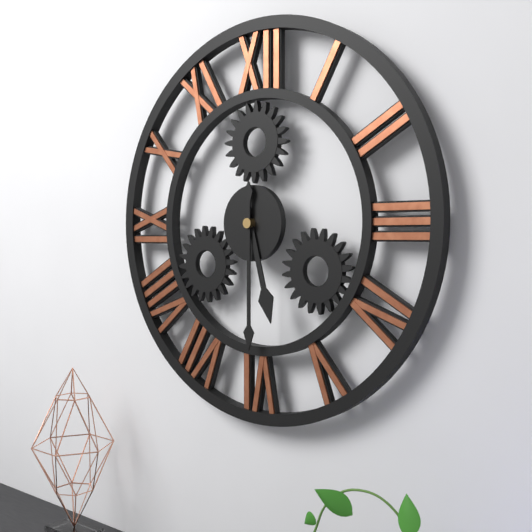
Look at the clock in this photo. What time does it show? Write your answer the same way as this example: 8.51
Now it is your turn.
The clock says 5.30
